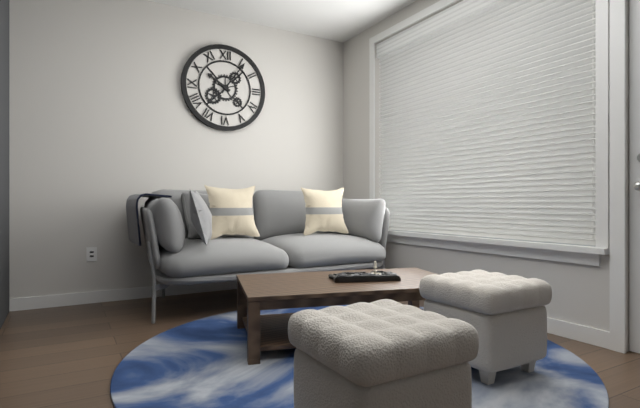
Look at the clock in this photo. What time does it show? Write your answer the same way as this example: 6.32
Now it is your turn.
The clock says 10.06
